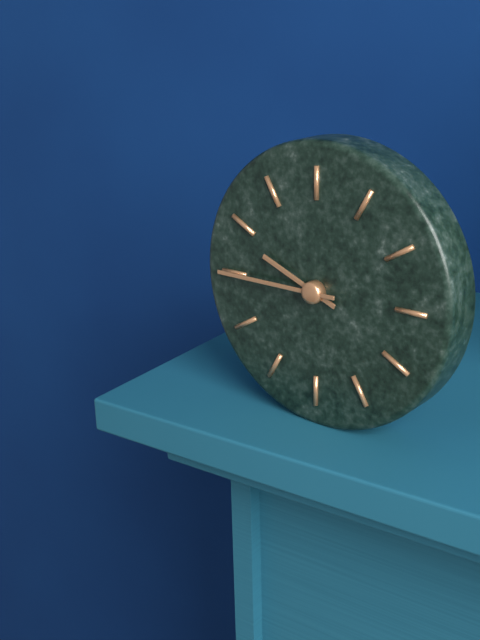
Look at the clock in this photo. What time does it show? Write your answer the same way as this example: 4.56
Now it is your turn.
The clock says 9.45
